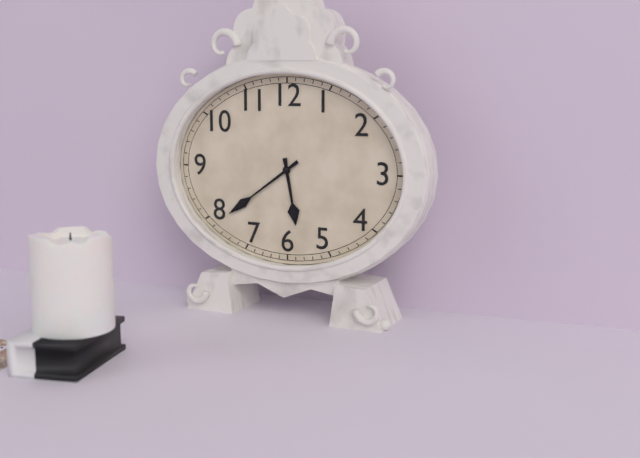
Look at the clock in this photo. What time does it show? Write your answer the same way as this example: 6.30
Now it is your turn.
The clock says 5.39
